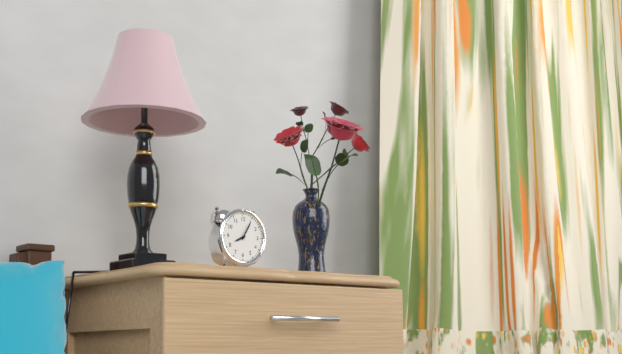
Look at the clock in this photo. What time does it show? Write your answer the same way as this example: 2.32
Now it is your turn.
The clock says 8.05
